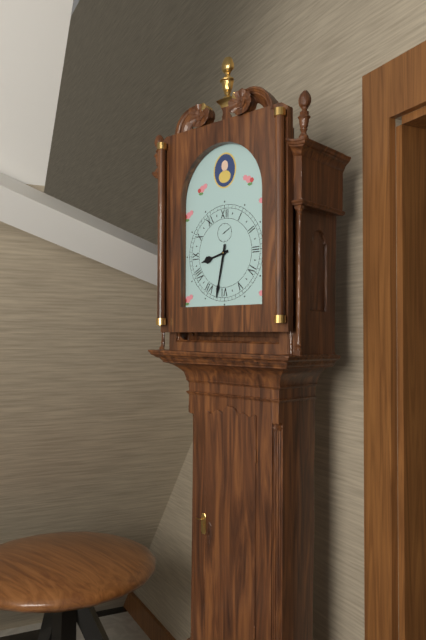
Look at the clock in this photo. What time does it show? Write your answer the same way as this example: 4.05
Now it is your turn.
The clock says 8.32
